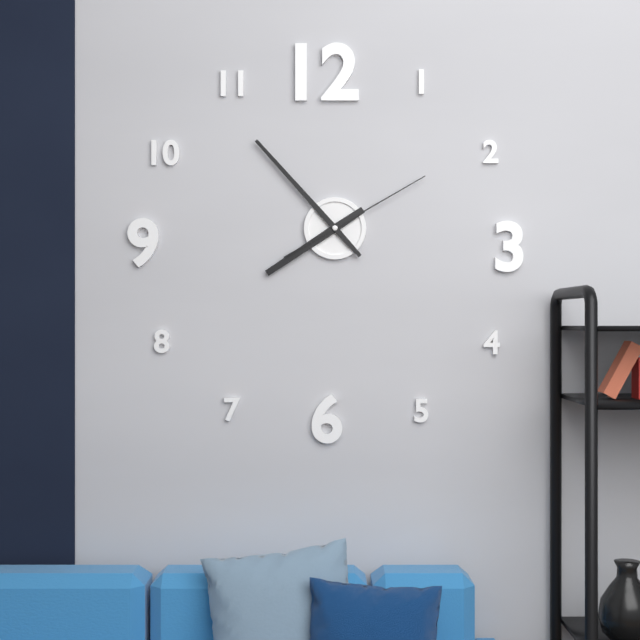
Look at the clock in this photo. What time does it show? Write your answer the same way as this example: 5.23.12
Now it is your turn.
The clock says 7.53.10
